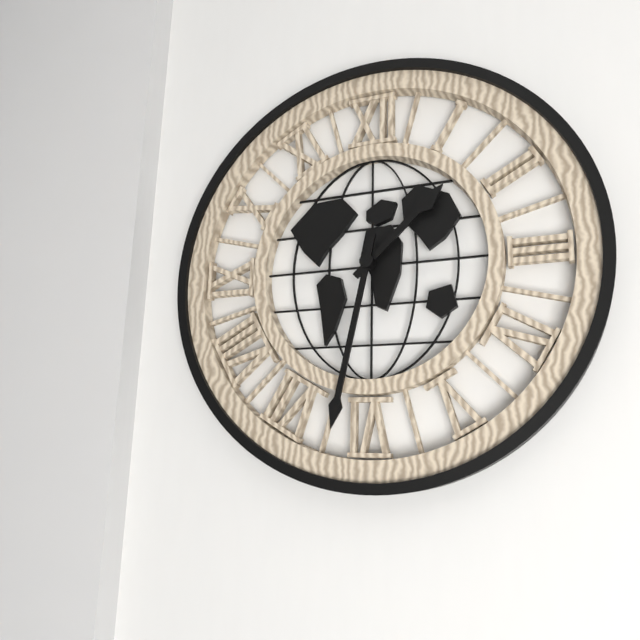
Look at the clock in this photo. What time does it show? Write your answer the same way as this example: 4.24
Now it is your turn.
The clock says 1.32
